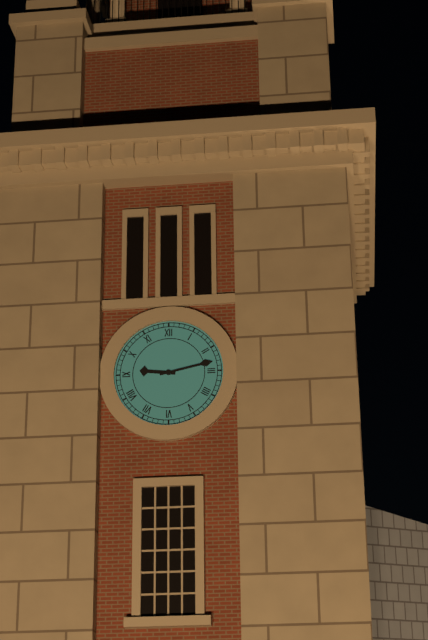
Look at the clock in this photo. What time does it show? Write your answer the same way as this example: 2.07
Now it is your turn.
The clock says 9.13
